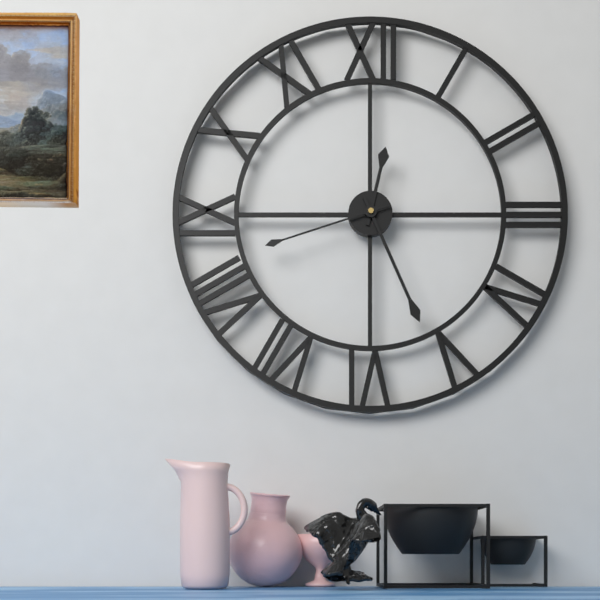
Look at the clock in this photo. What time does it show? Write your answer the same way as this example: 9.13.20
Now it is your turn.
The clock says 12.26.42
